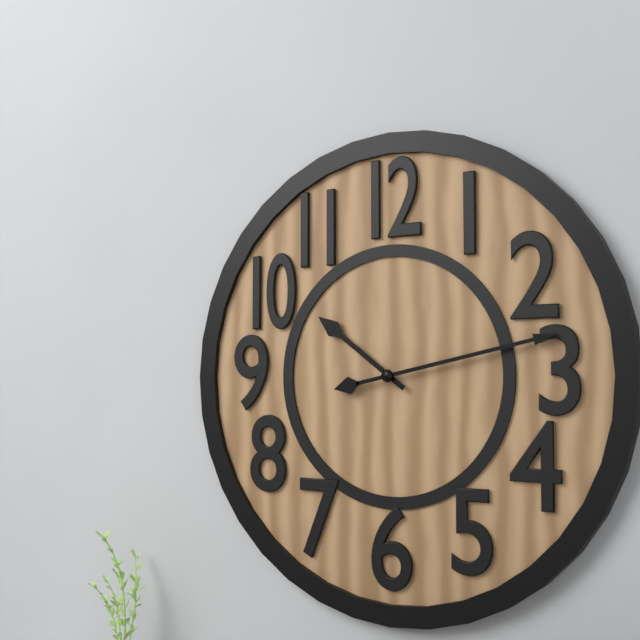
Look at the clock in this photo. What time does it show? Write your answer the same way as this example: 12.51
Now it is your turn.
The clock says 10.13
